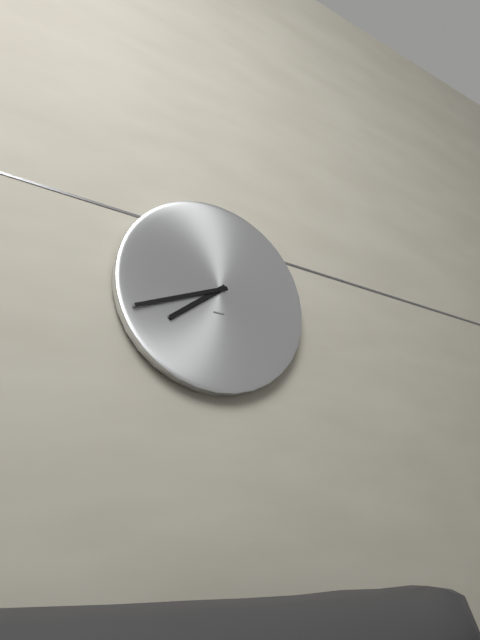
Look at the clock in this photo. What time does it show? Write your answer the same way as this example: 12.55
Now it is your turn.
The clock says 7.41
